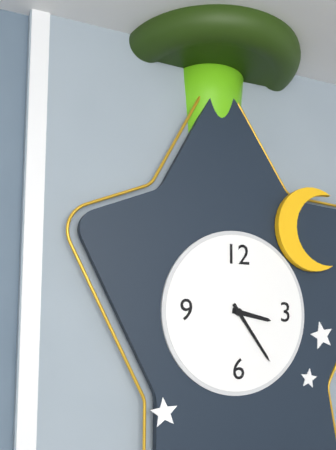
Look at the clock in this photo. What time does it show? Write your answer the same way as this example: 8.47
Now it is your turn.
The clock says 3.24
